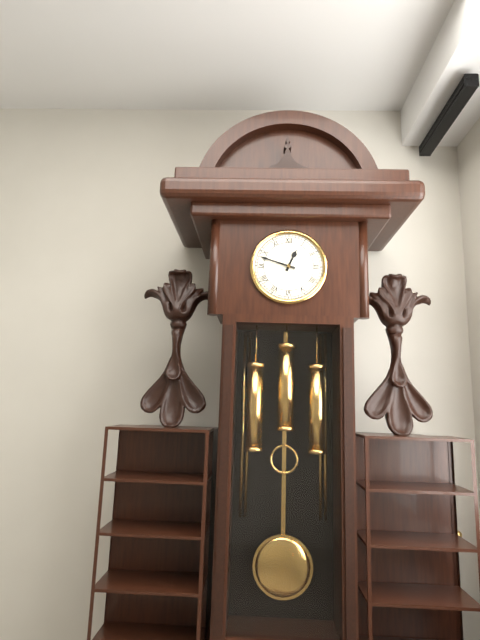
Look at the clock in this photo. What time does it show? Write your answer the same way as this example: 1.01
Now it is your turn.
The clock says 12.48
